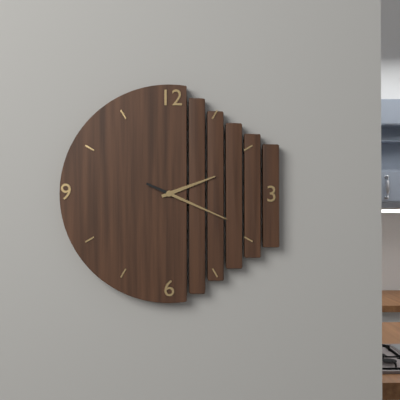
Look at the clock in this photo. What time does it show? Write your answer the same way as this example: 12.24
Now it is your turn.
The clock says 2.19
